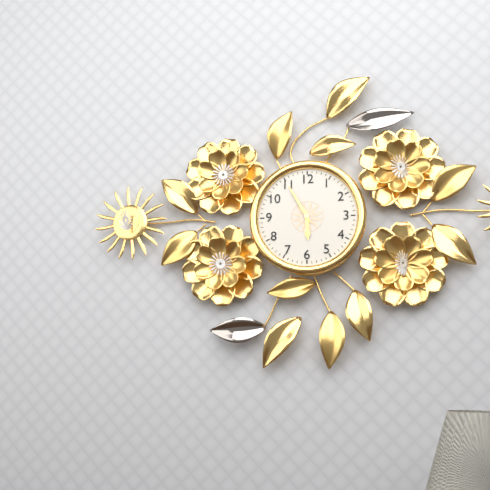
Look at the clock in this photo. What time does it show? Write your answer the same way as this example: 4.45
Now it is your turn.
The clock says 5.55
